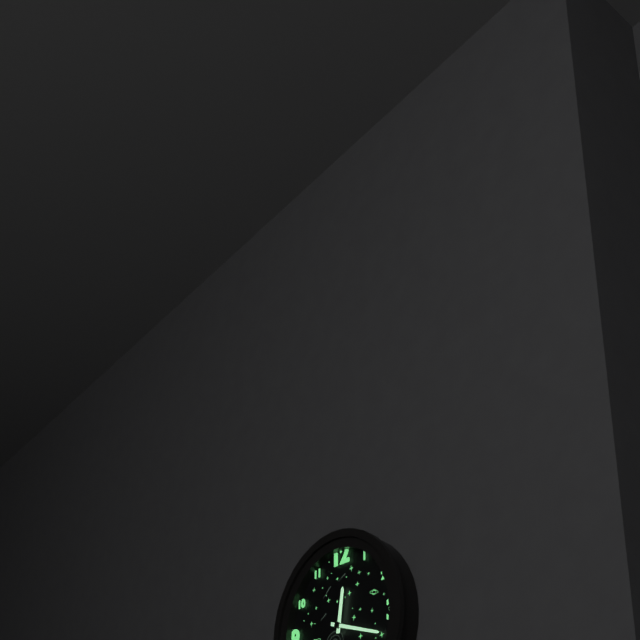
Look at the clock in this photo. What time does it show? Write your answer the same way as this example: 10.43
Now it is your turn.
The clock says 12.18
